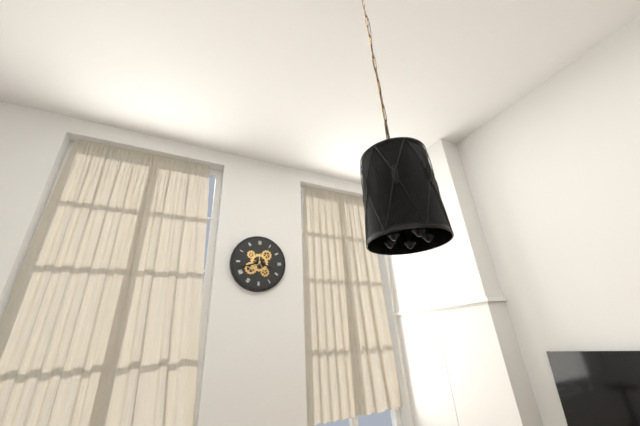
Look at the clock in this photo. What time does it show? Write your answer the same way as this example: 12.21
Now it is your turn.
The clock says 3.42
